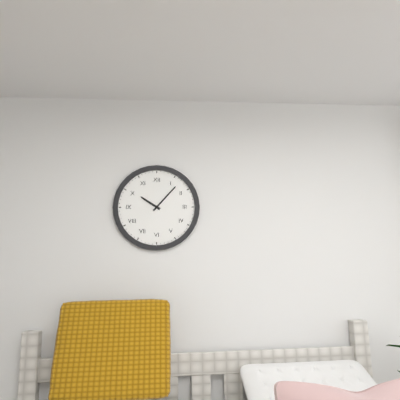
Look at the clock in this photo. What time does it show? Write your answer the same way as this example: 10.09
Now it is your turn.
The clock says 10.07
